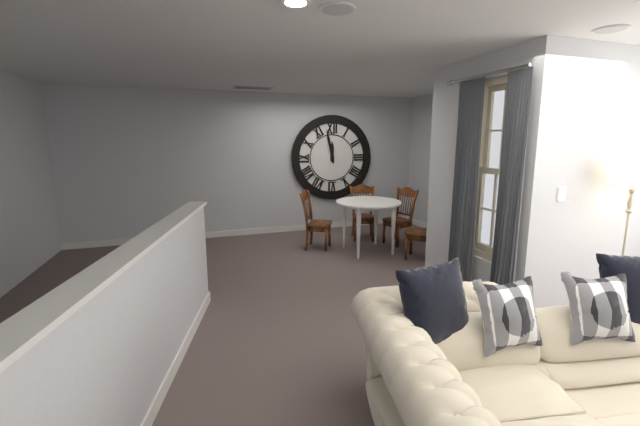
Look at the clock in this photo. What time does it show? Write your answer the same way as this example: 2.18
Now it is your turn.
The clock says 11.58
